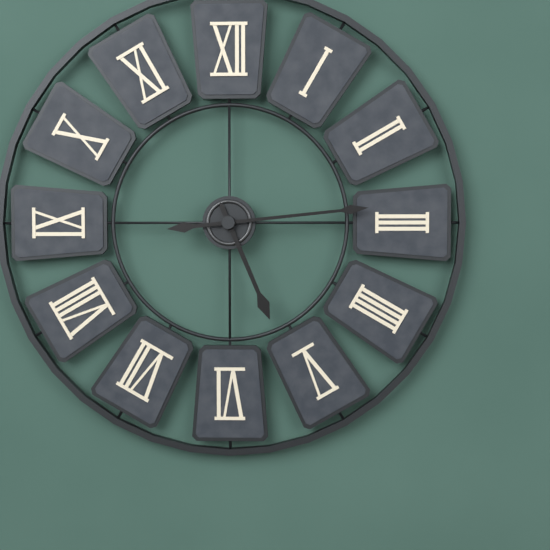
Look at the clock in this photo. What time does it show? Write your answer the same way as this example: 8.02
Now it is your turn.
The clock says 5.14
